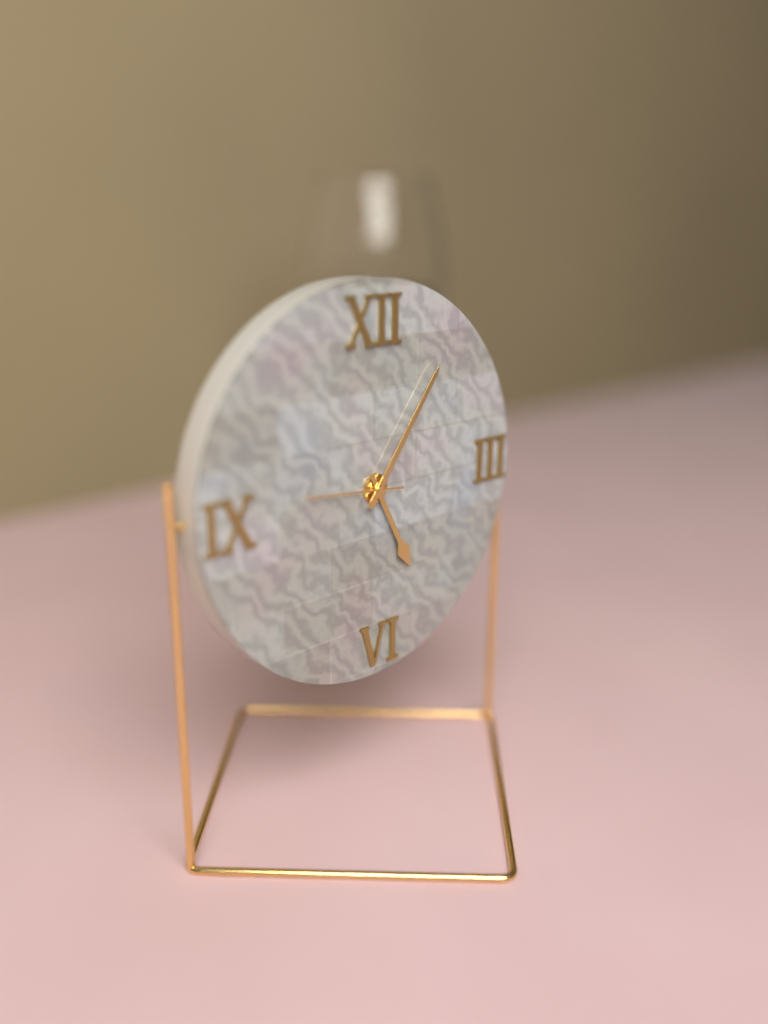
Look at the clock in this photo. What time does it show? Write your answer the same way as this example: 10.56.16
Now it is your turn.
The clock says 5.06.46
